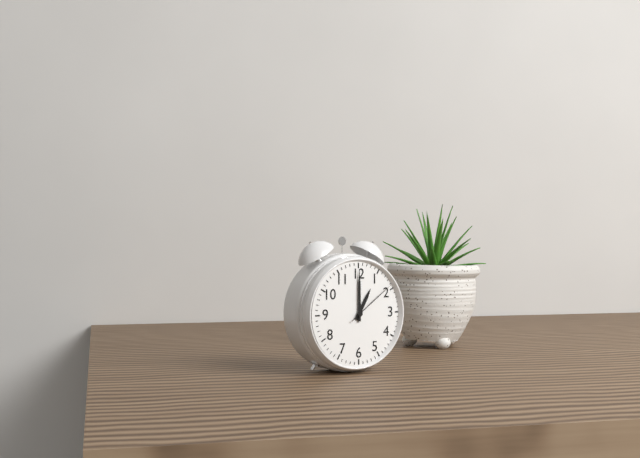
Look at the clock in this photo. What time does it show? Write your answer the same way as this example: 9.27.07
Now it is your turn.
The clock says 1.00.09
